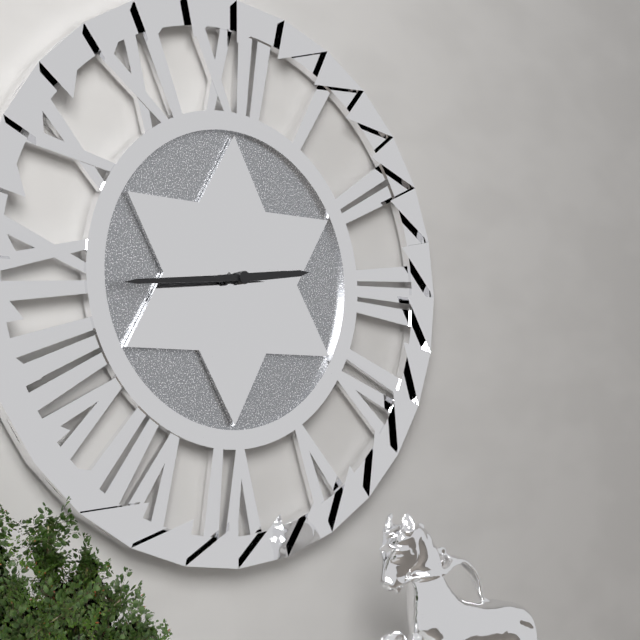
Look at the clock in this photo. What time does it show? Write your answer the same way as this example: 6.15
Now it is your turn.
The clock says 2.44
